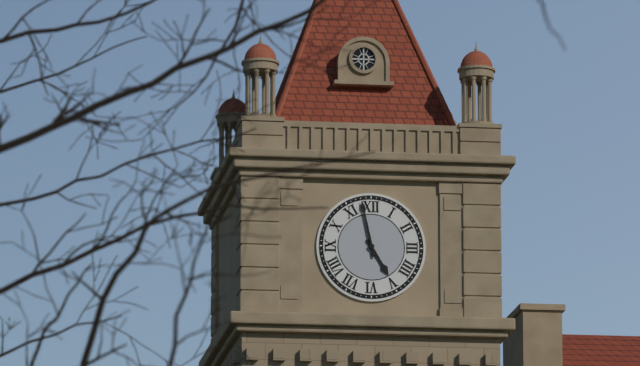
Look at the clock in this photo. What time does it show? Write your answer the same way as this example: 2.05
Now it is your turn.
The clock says 4.58
